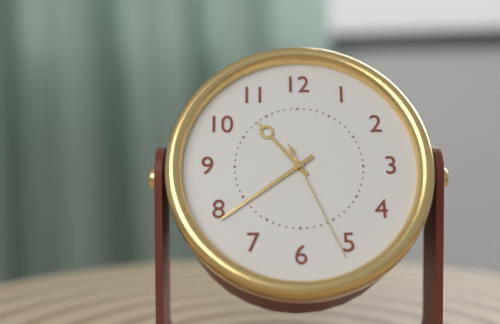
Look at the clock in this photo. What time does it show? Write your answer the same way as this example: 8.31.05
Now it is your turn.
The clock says 10.39.26
